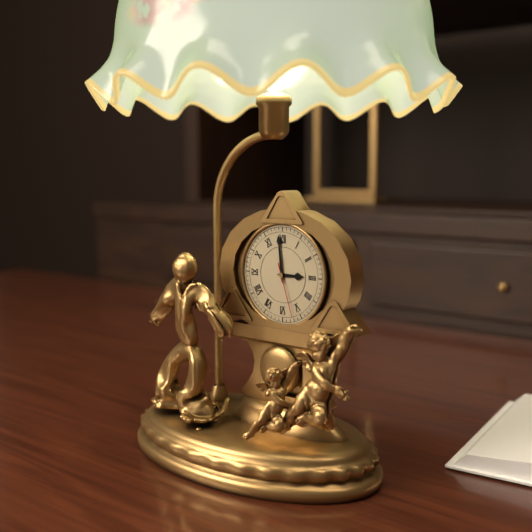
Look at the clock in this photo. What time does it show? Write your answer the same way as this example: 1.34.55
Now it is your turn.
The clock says 2.59.27
